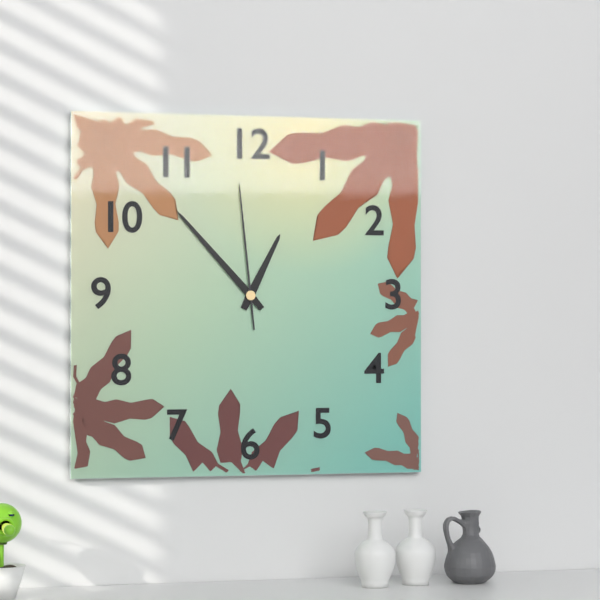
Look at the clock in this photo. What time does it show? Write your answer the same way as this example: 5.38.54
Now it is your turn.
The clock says 12.53.59
